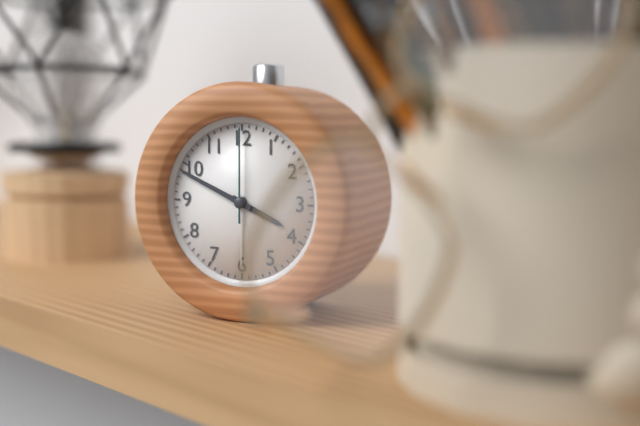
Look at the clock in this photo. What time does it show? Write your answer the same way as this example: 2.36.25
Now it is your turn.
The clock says 3.49.00
